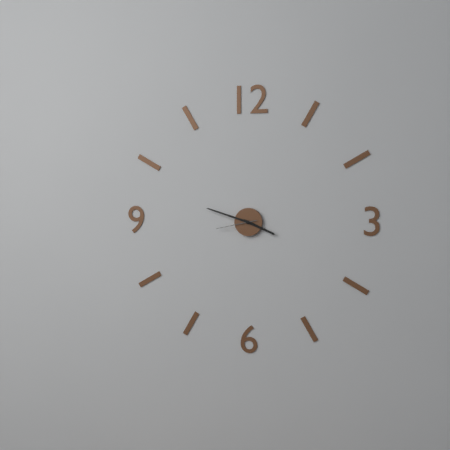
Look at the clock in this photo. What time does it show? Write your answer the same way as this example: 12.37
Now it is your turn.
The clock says 3.48
